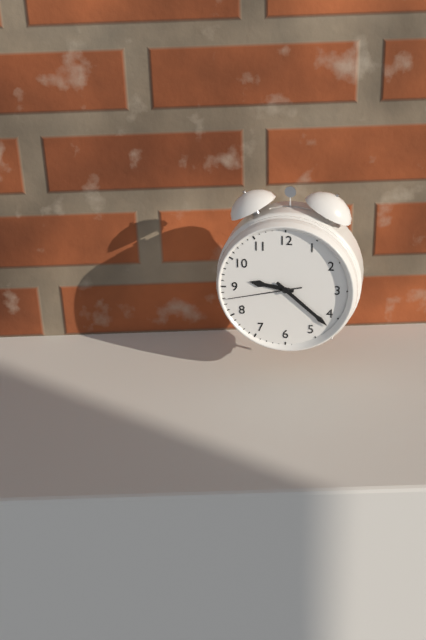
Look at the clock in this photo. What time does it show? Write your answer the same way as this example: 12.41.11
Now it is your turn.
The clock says 9.22.43
